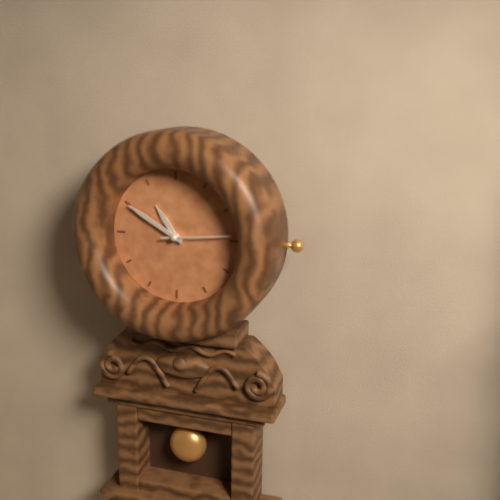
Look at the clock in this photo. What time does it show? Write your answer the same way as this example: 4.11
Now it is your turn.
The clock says 10.50
